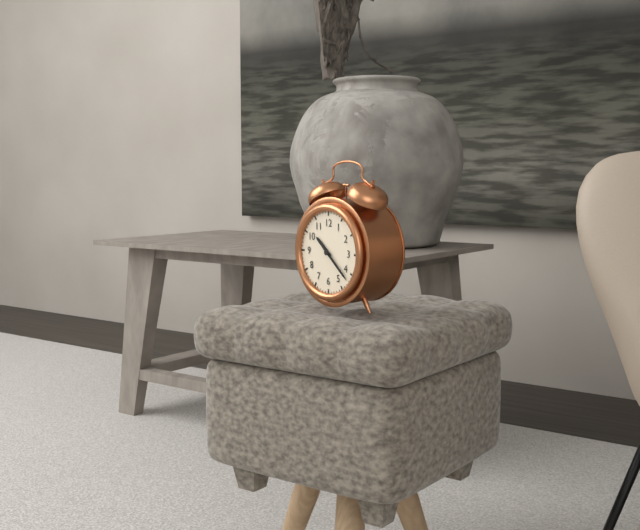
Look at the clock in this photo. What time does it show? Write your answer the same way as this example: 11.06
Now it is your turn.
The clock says 10.22
